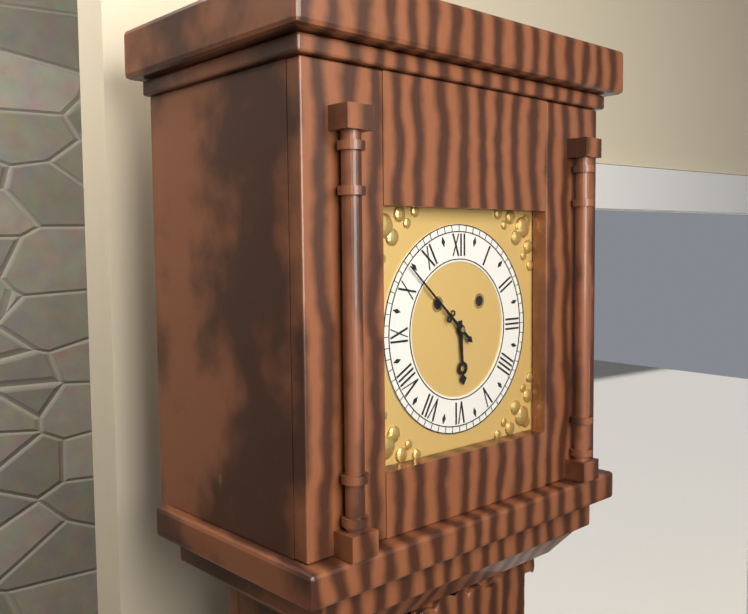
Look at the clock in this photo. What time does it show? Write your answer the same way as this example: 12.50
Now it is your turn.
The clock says 5.52
